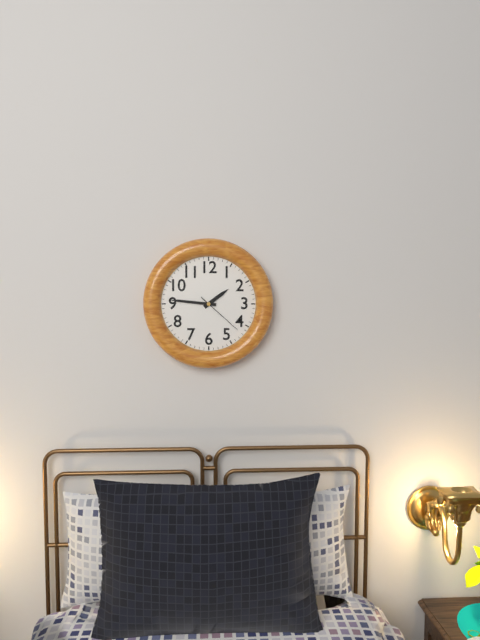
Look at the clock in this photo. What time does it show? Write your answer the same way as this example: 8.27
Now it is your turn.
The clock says 1.46
